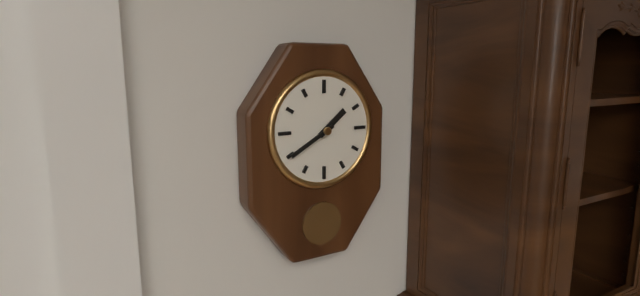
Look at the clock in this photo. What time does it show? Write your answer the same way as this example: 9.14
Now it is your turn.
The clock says 1.40
